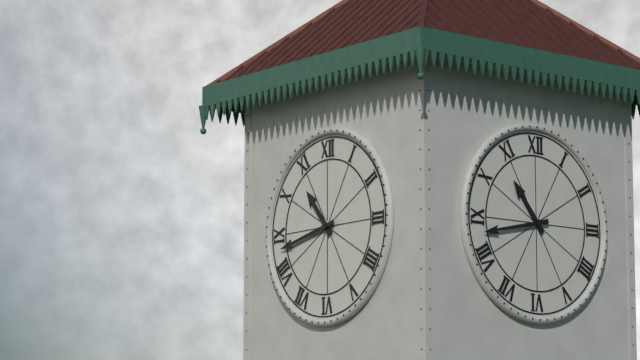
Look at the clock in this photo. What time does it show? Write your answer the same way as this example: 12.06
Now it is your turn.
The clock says 10.43
